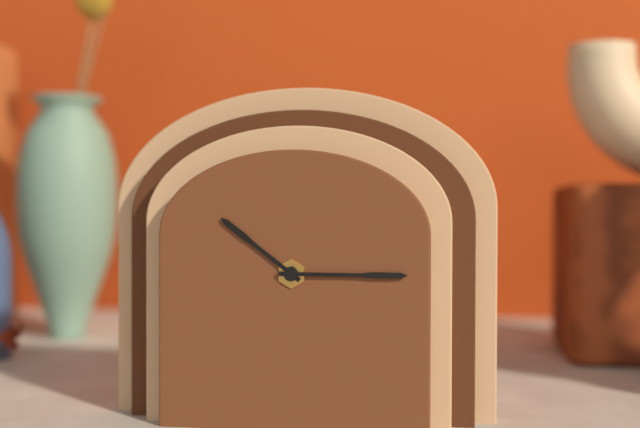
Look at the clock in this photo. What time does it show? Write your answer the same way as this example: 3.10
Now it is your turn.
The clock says 10.15
